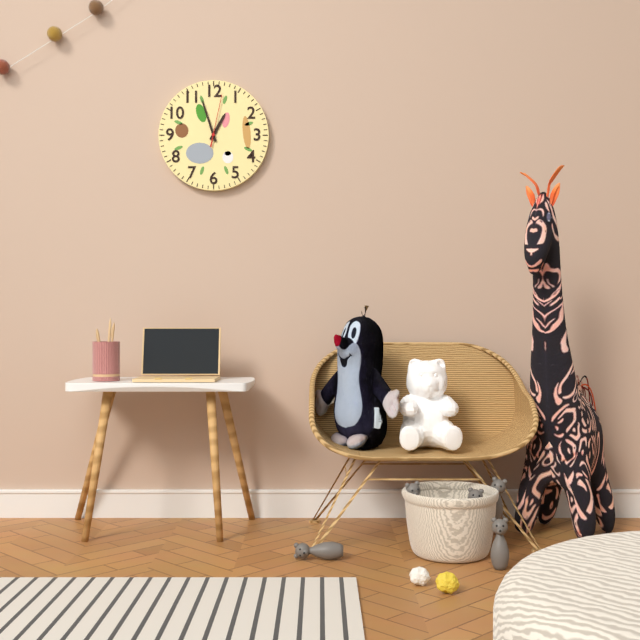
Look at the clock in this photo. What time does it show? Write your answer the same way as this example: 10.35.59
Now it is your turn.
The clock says 12.57.02
